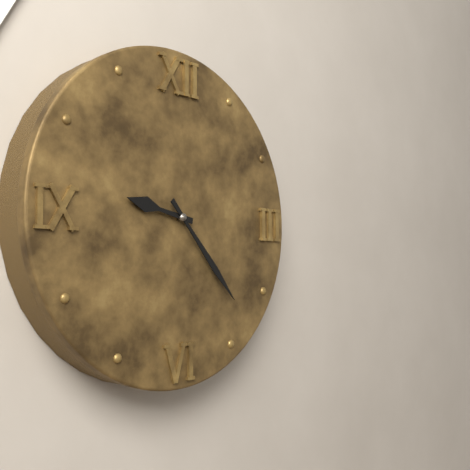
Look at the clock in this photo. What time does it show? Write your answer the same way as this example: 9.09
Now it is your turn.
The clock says 9.23
